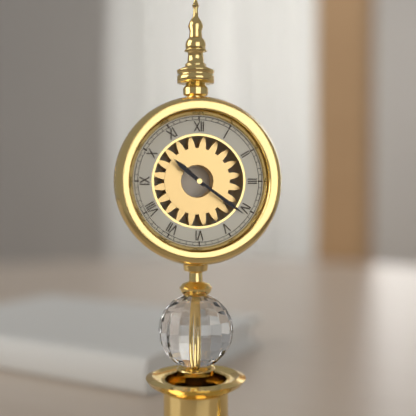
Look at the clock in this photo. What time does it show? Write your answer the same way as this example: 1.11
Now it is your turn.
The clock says 10.21
